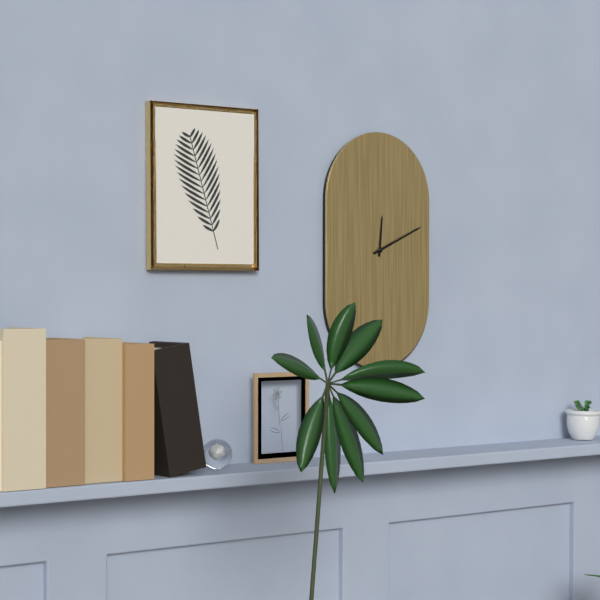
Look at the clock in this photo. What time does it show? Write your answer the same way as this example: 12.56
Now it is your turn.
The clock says 12.11
